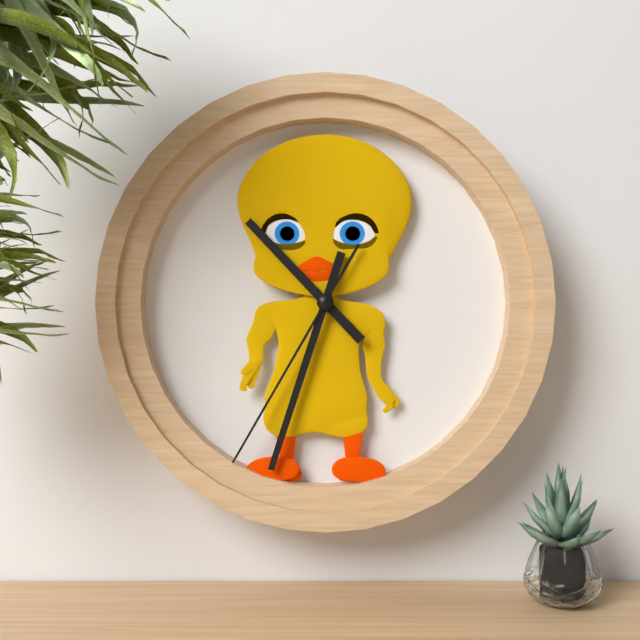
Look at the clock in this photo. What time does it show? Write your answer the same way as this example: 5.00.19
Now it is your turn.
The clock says 10.33.35
